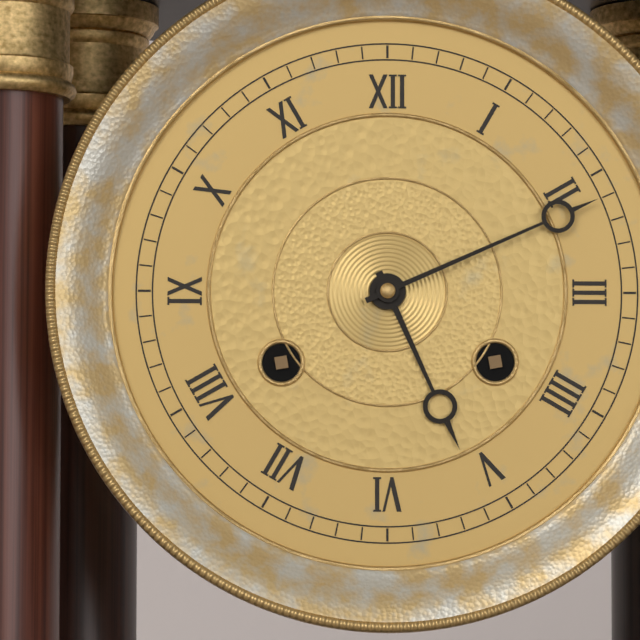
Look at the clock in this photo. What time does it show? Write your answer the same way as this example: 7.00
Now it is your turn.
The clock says 5.11
